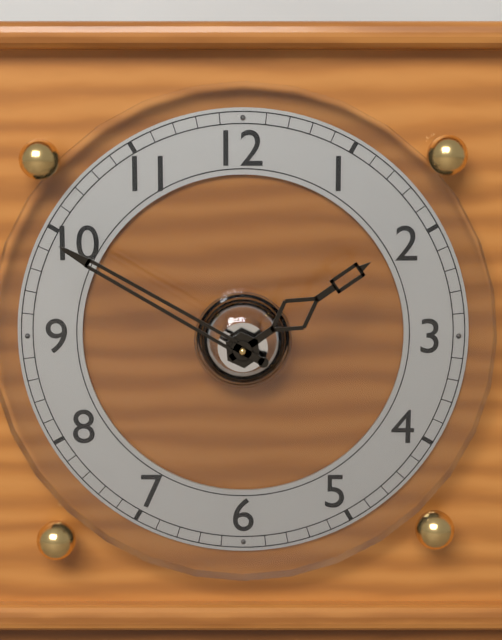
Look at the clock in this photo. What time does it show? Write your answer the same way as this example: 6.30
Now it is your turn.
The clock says 1.50
